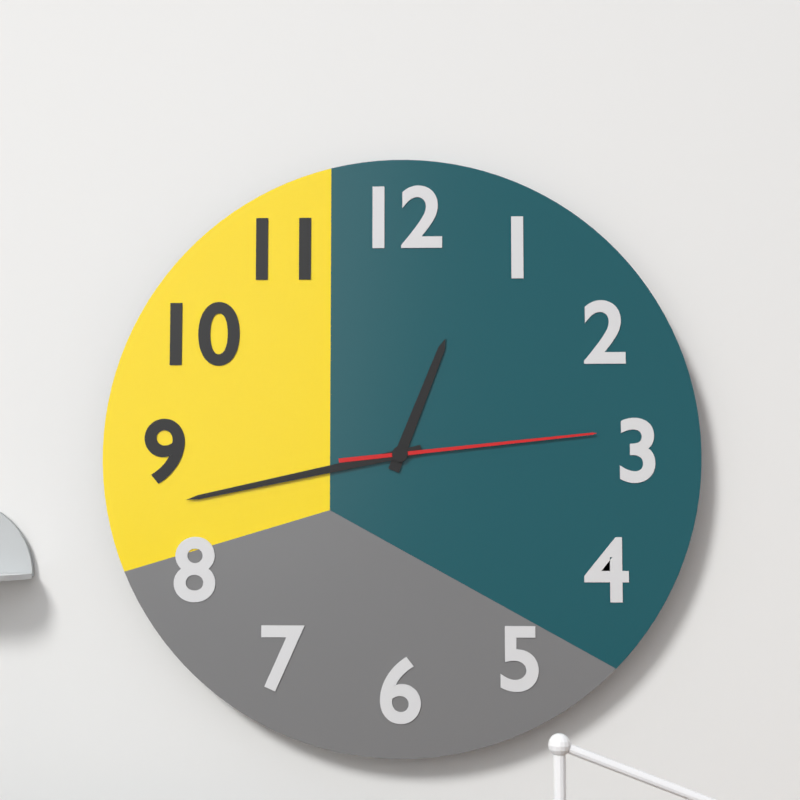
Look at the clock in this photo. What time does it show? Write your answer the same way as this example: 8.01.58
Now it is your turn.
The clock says 12.43.14
